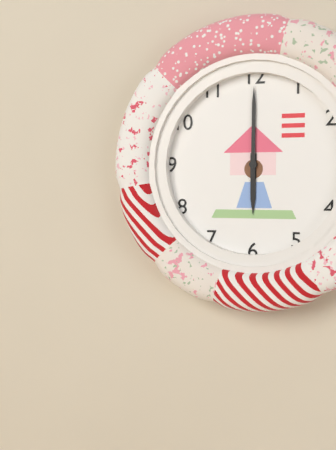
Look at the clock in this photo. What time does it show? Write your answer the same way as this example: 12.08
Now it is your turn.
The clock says 6.00
